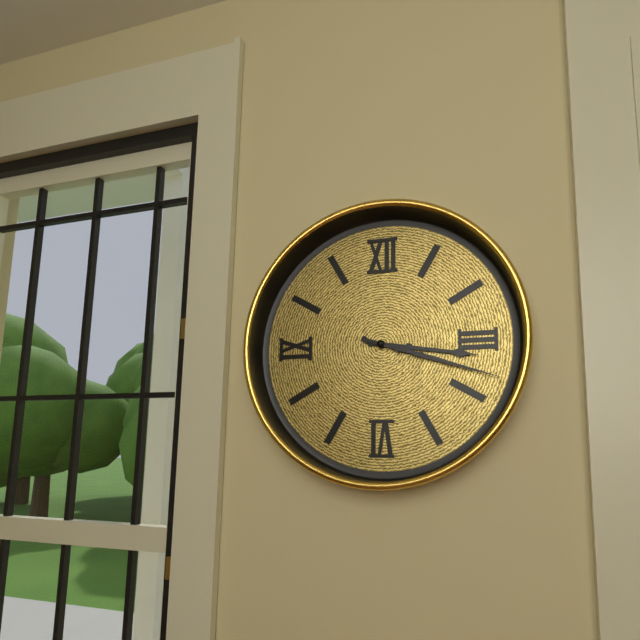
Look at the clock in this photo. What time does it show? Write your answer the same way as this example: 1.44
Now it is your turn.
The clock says 3.18
